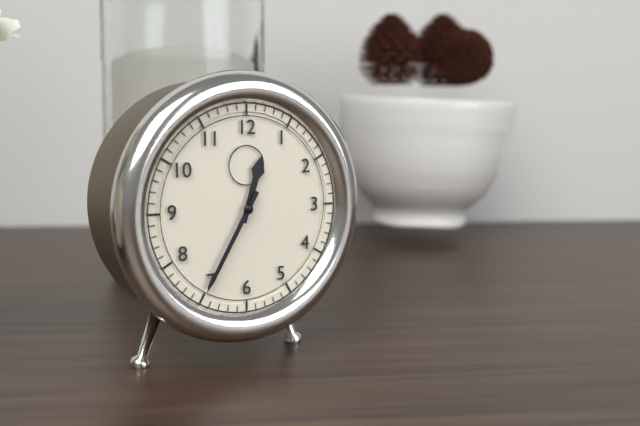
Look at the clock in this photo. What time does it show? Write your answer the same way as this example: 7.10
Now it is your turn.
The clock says 12.35
